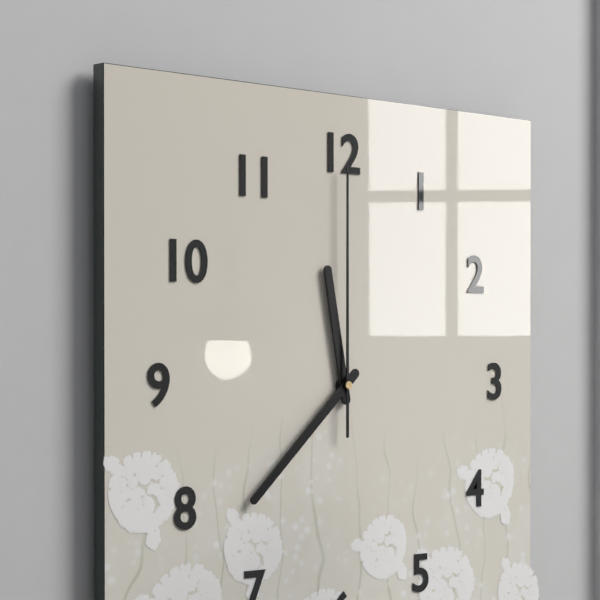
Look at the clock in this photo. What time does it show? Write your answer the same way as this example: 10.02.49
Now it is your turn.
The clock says 11.38.00
